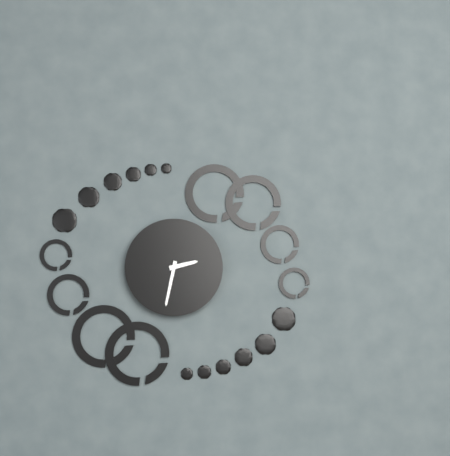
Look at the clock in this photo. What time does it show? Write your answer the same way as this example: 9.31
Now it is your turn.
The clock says 2.32
